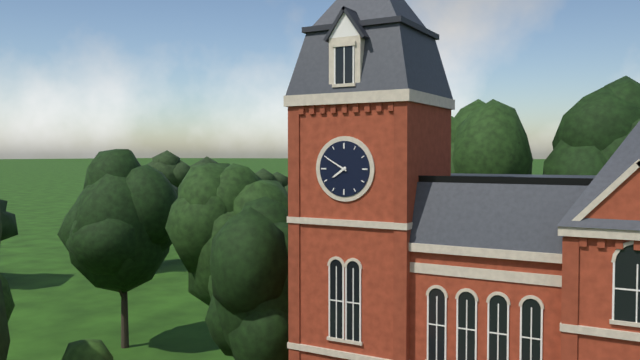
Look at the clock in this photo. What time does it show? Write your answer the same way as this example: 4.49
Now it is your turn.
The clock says 7.50
